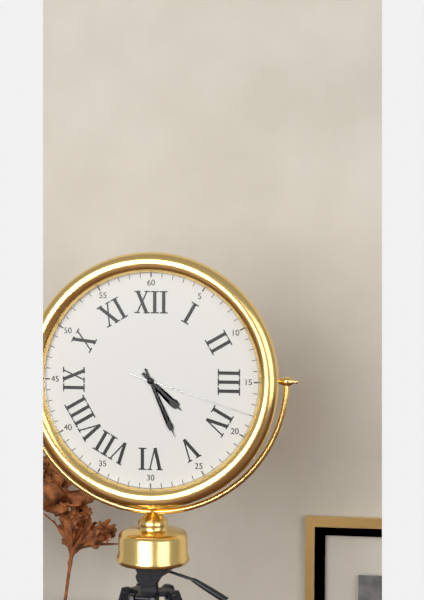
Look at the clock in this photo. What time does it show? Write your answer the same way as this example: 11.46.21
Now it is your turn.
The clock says 4.26.18
